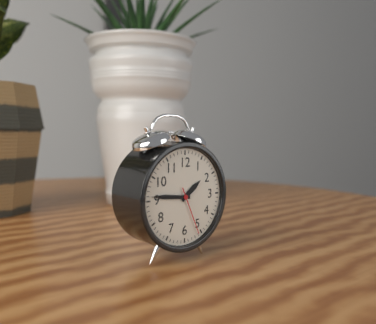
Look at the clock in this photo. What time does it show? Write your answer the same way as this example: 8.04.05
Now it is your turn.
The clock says 1.46.26
